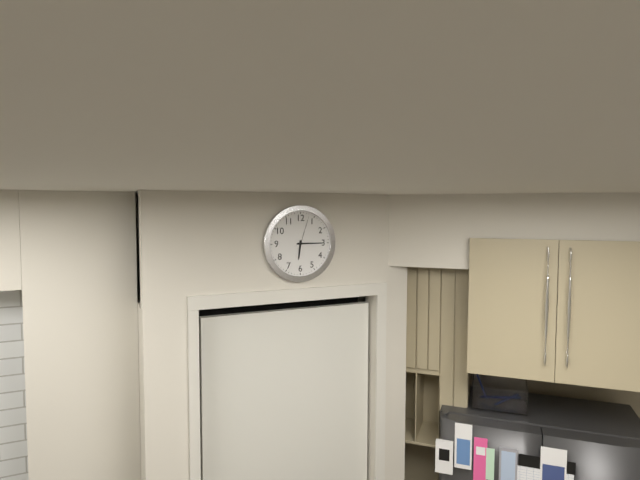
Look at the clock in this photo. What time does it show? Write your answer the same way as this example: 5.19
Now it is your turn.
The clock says 6.15
